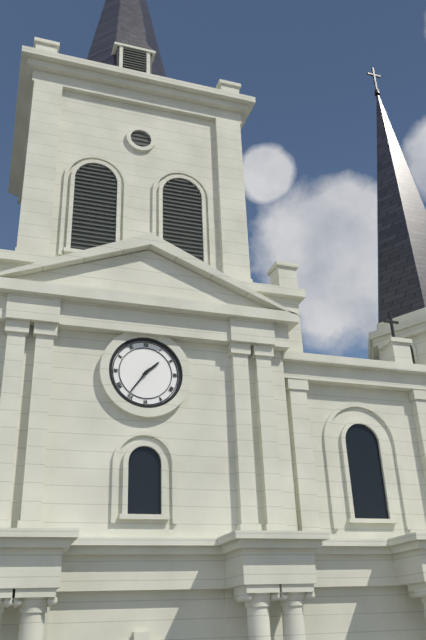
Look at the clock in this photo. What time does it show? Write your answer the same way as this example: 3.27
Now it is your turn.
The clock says 1.36
